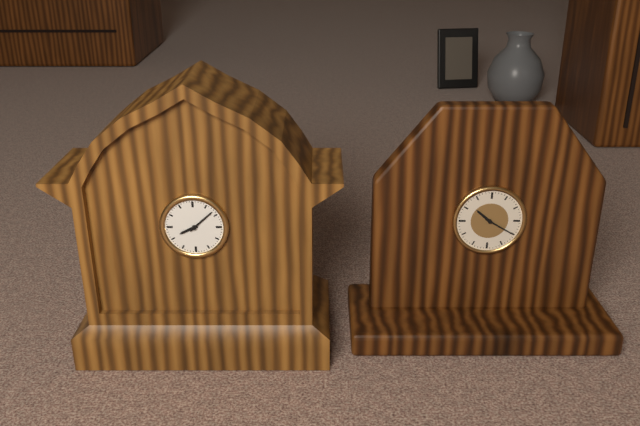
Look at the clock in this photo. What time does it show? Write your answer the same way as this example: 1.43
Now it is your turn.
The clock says 8.08
